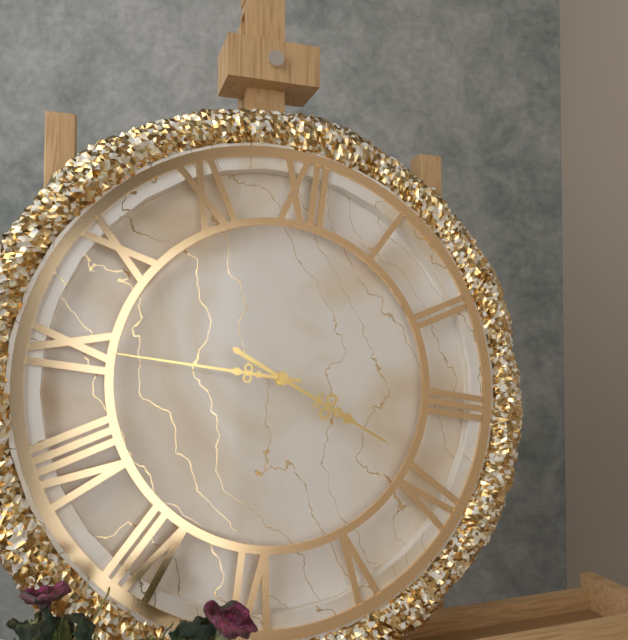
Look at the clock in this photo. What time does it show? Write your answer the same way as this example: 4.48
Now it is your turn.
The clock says 3.45
